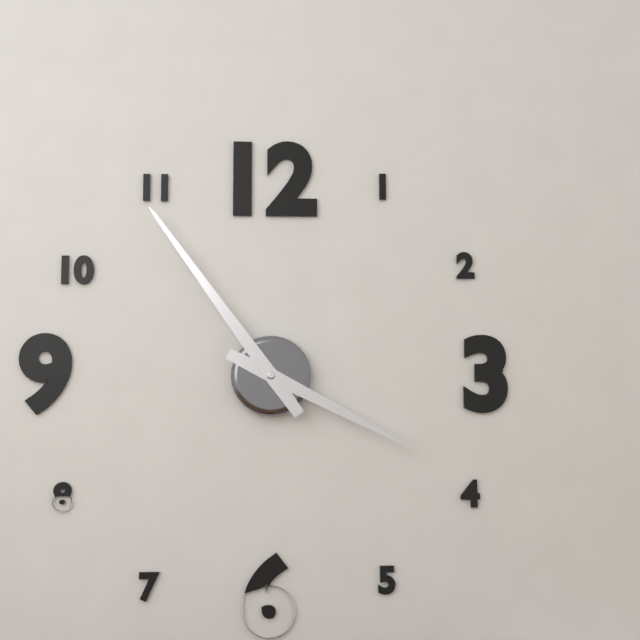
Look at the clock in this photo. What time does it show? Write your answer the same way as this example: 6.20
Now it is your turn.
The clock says 3.54
